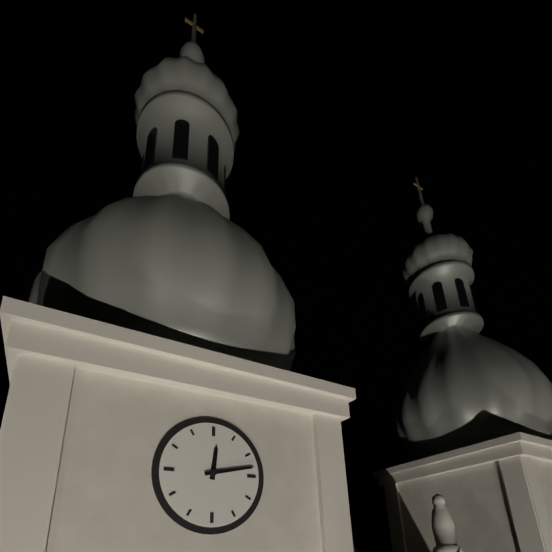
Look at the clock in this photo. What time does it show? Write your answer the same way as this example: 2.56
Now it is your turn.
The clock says 12.13
